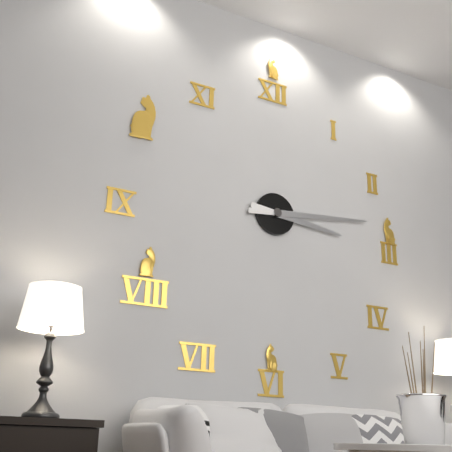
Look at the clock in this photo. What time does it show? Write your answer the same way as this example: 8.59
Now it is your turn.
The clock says 3.14
